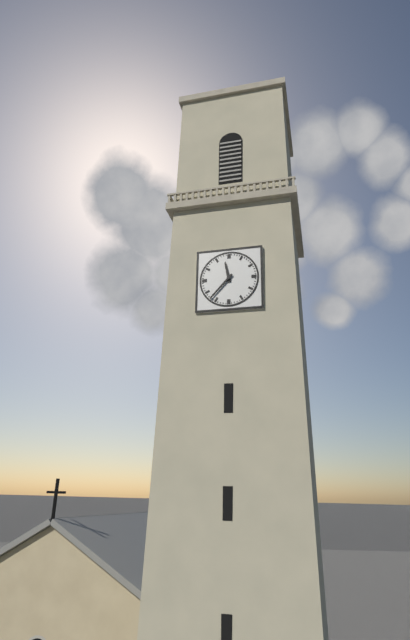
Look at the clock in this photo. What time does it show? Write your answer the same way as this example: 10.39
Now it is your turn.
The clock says 11.37
